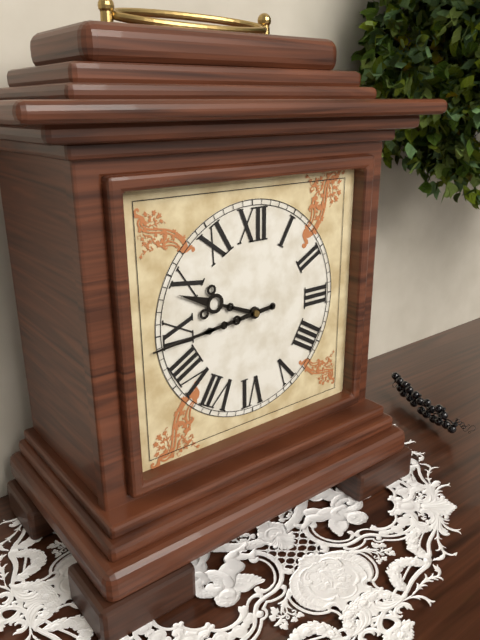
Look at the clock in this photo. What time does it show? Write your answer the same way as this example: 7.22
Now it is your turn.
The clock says 9.44
